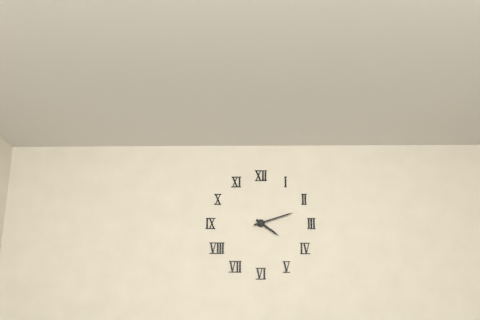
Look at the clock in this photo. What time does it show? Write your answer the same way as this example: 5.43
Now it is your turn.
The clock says 4.12
